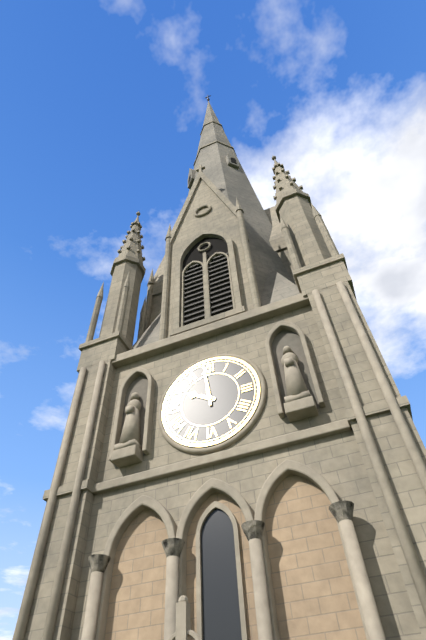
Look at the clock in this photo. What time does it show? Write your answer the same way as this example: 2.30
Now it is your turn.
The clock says 9.59
